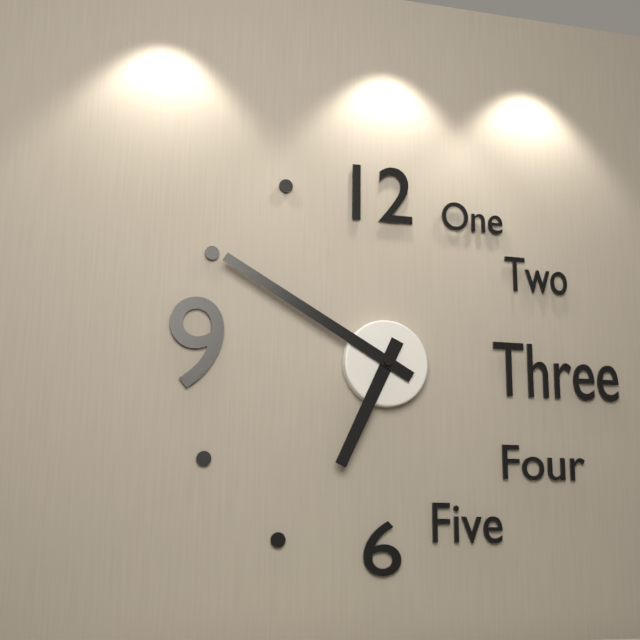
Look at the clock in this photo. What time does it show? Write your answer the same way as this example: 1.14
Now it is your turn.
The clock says 6.50
